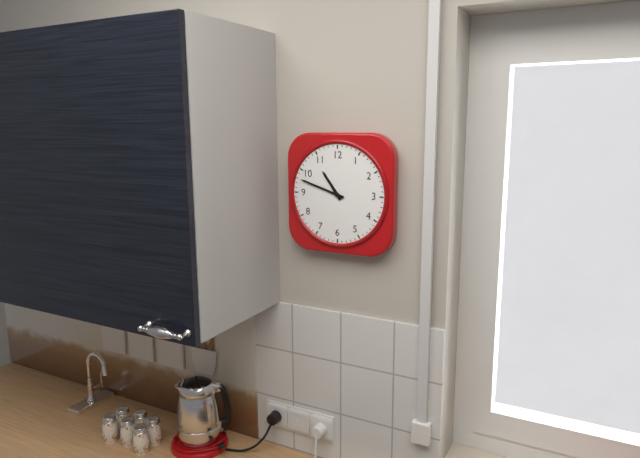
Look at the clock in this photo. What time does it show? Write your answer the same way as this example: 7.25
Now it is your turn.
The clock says 10.48
